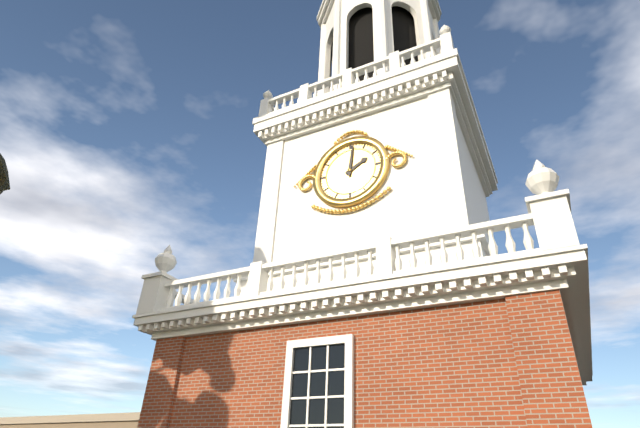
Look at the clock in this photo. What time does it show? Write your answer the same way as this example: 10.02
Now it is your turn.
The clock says 2.01
